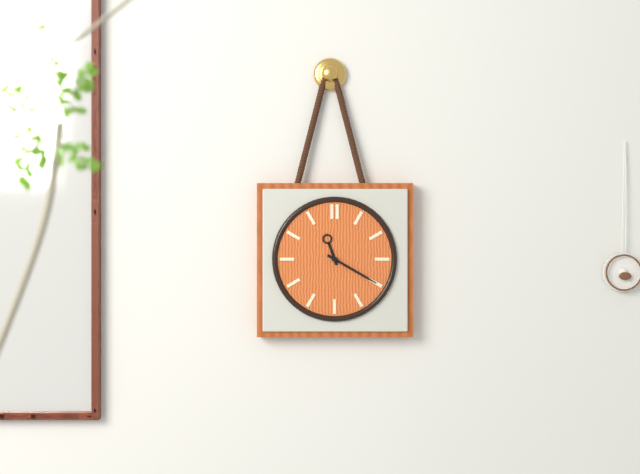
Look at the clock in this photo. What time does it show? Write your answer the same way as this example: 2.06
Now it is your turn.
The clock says 11.20
